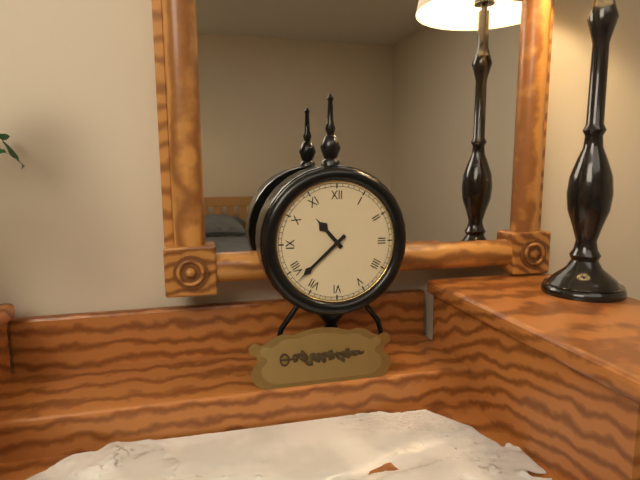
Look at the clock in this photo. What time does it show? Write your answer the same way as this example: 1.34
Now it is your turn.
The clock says 10.38
